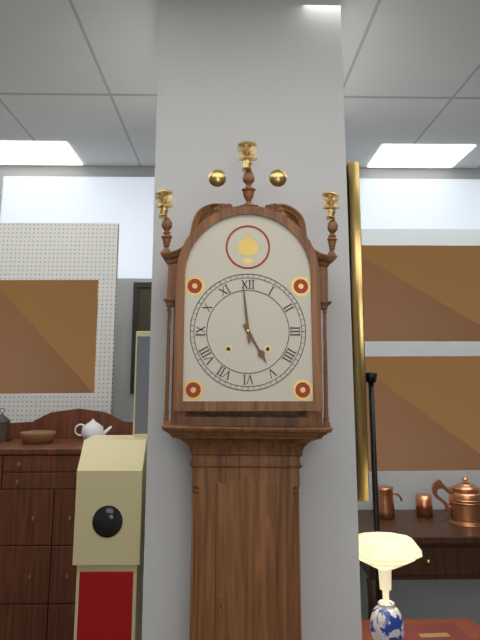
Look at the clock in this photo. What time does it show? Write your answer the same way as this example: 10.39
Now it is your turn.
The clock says 4.59
